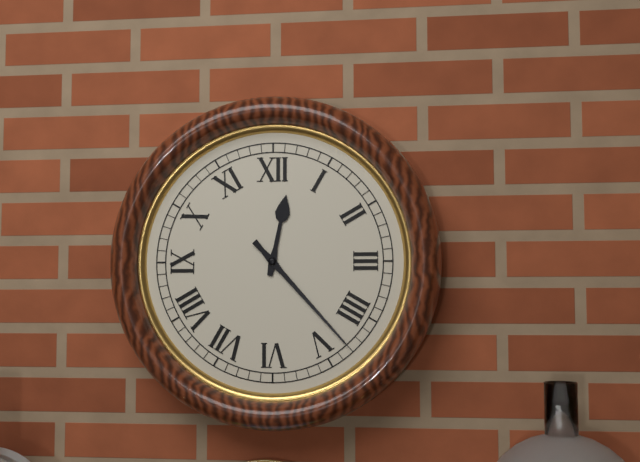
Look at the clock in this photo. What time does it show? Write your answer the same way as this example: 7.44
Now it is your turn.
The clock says 12.23
